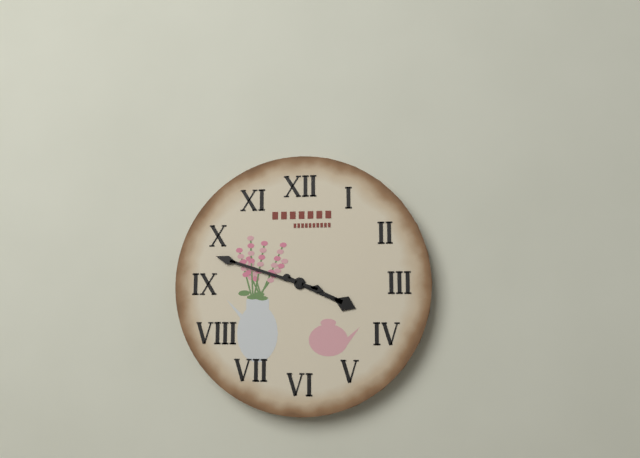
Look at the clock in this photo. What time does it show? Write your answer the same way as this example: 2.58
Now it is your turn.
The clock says 3.48
